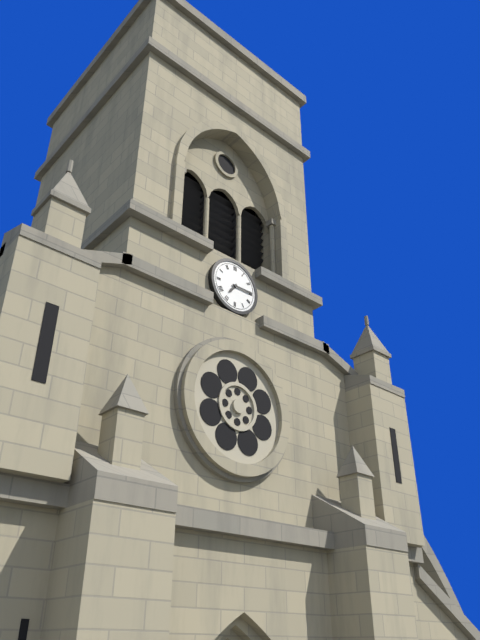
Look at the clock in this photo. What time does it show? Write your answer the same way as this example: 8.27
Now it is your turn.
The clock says 7.15
